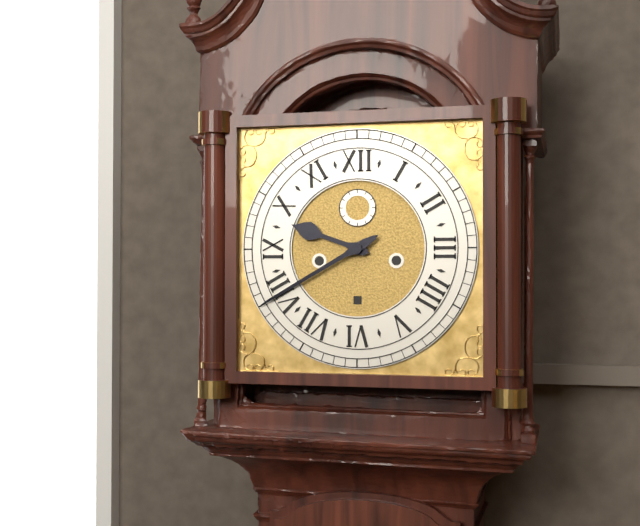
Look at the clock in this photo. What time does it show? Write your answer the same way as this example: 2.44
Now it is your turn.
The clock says 9.40
